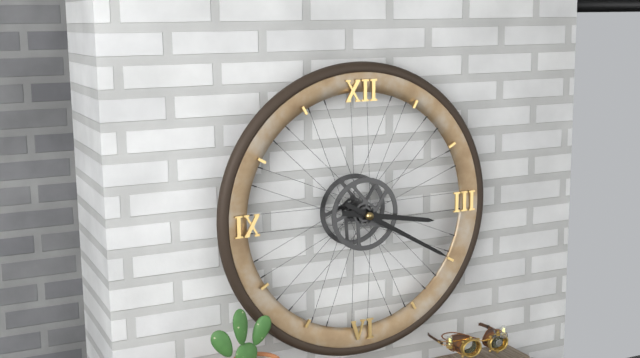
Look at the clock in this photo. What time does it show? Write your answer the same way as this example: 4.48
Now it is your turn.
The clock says 3.20
